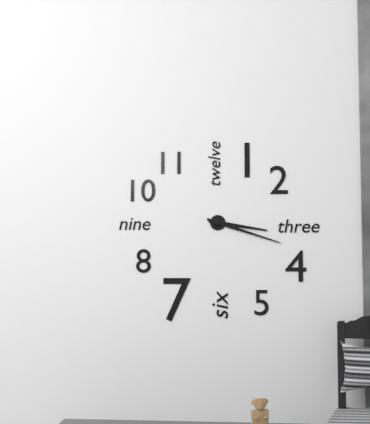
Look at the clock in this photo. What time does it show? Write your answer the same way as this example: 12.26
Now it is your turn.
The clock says 3.18
